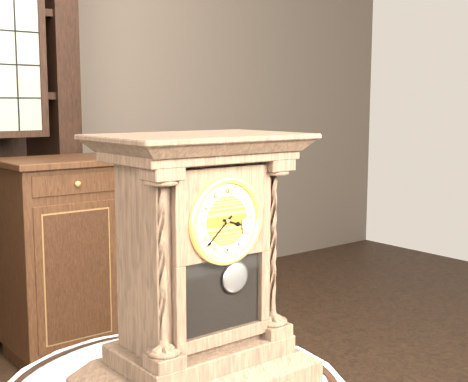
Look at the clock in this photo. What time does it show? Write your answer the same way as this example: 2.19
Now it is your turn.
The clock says 3.38
